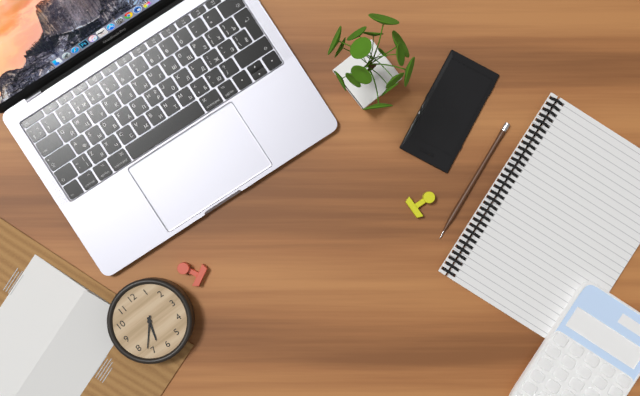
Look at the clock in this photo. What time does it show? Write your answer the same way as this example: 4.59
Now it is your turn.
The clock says 6.37
